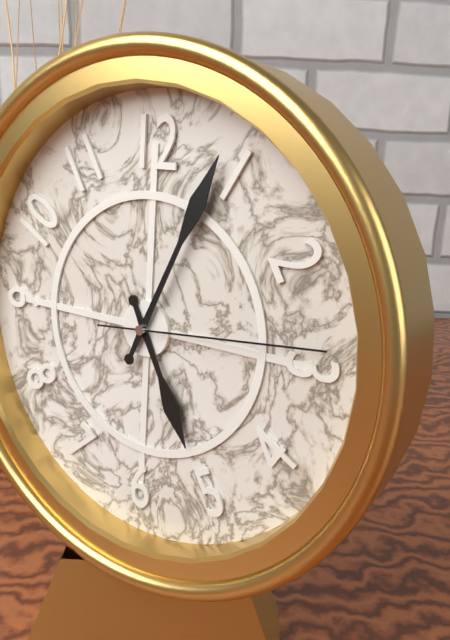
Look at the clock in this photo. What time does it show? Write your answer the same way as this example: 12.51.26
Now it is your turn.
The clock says 5.04.14
